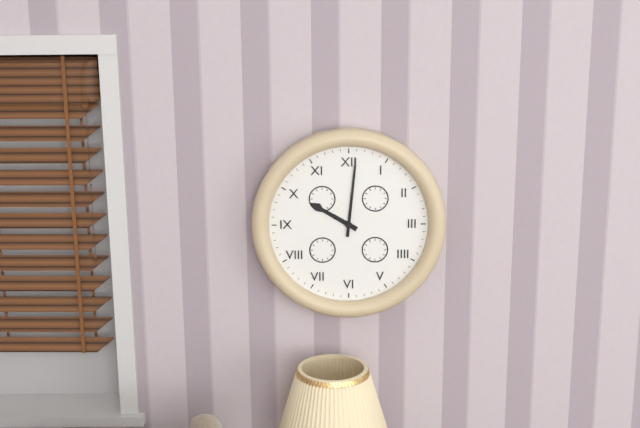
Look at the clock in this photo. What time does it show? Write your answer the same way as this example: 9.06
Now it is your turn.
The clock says 10.01
